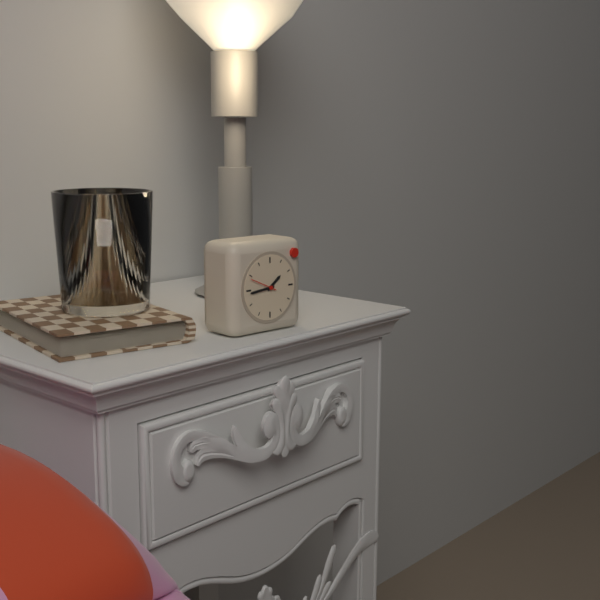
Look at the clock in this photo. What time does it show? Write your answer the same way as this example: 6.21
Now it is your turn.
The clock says 1.44
